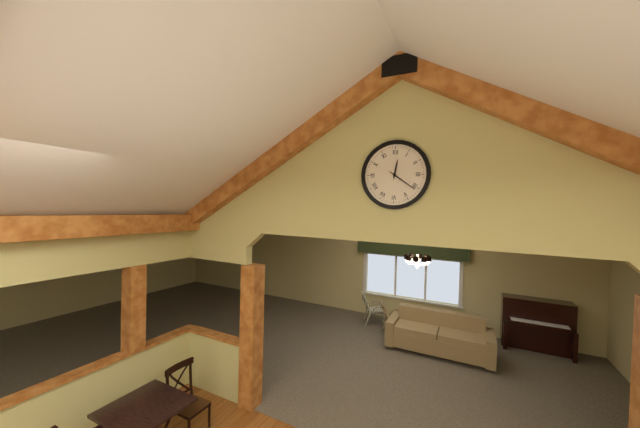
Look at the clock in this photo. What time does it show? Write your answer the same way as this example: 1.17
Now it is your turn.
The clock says 12.21
